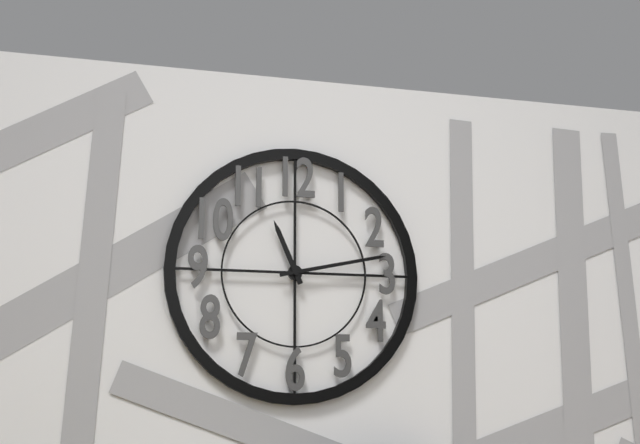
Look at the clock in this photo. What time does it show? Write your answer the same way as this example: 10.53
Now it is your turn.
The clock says 11.13
